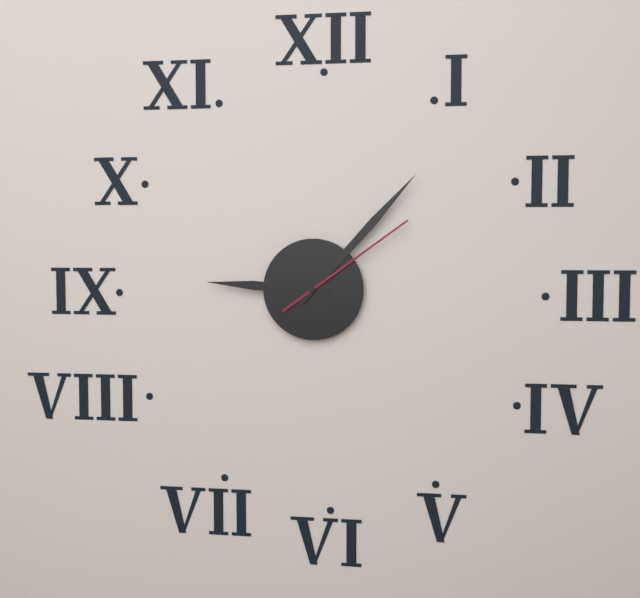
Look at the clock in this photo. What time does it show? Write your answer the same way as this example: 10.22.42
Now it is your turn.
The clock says 9.07.09
